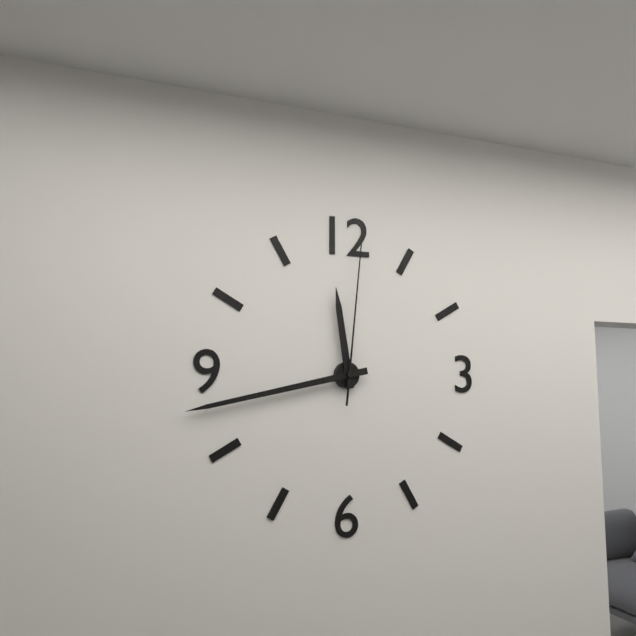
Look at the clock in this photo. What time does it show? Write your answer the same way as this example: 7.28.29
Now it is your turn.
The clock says 11.43.01
